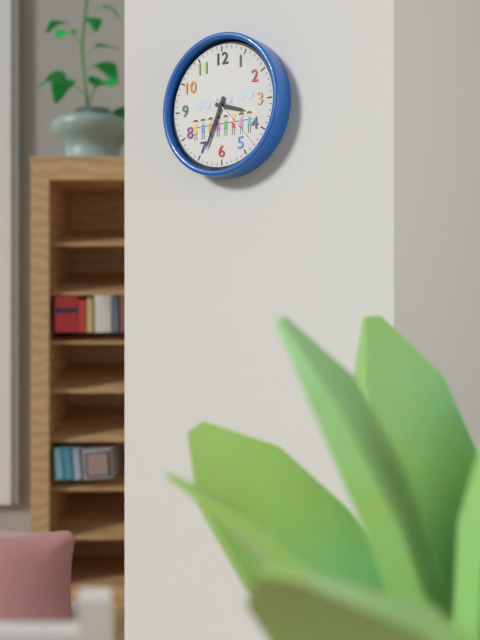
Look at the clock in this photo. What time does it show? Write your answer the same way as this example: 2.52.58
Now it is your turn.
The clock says 3.34.23
